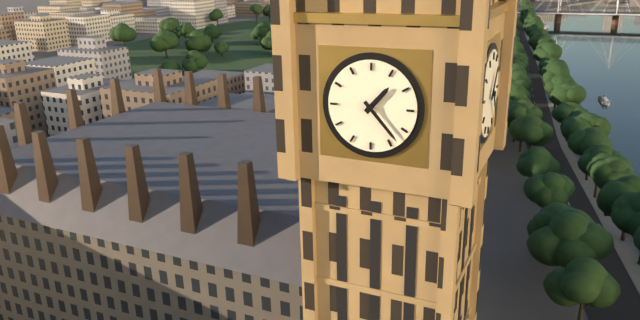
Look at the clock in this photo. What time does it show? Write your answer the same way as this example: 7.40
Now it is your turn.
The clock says 1.23
